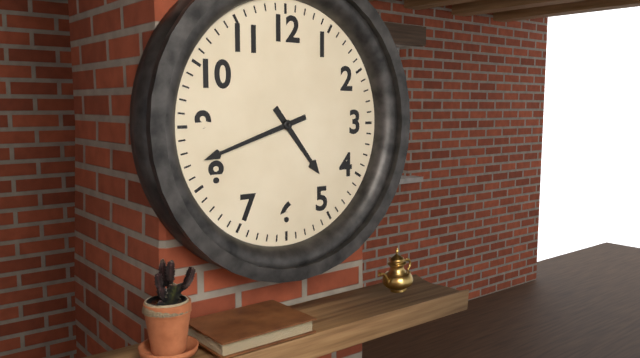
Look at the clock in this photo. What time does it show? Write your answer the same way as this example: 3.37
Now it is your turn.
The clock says 4.42
